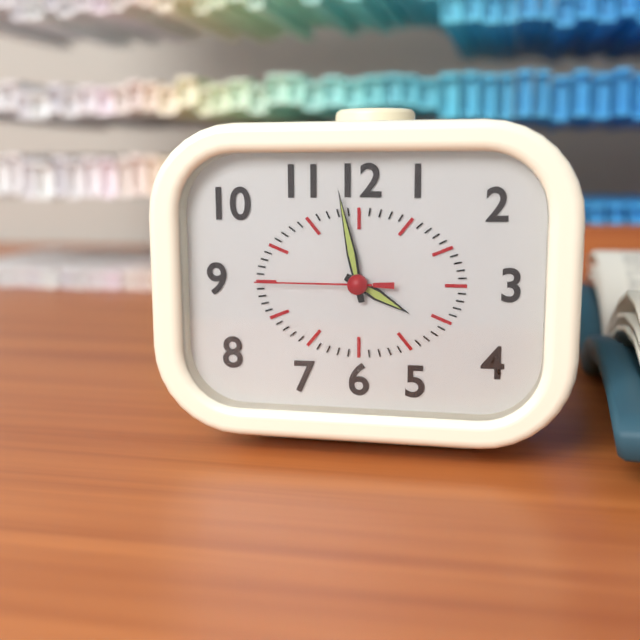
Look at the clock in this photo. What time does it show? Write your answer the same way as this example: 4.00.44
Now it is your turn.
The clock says 3.58.45
